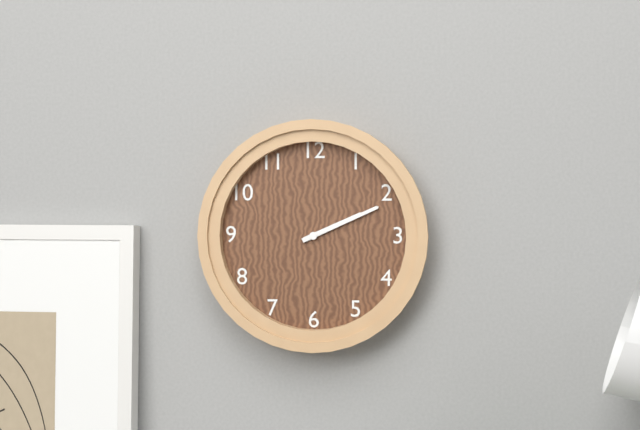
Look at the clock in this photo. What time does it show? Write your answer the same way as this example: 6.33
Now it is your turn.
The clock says 2.11
